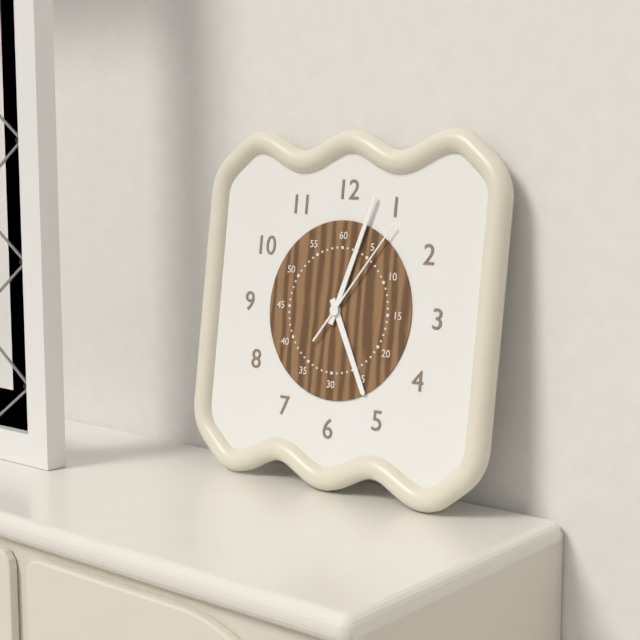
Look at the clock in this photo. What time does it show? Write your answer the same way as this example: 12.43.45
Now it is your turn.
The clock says 5.03.06
